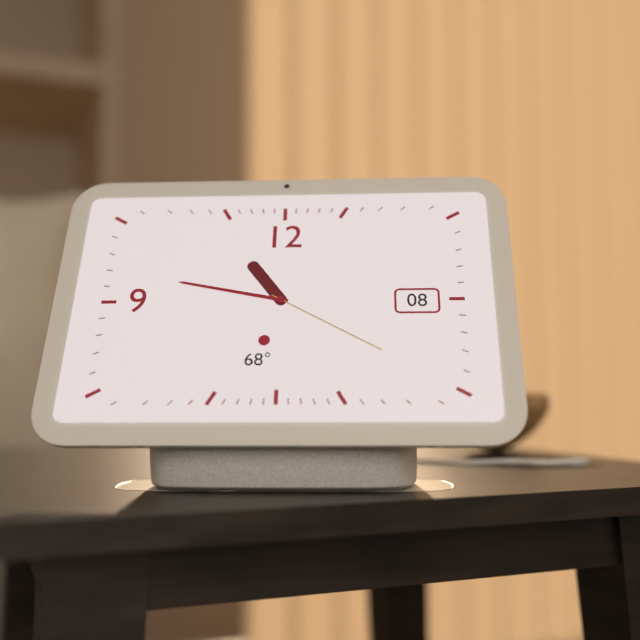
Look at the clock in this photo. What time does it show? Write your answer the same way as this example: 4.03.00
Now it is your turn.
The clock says 10.47.20
